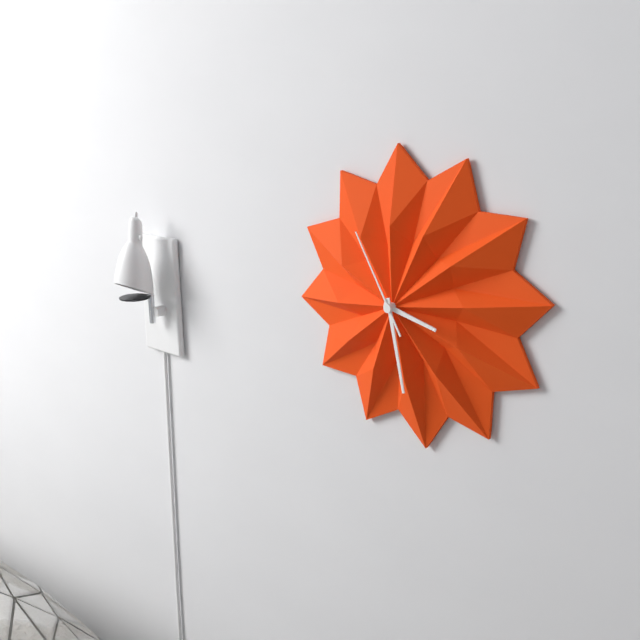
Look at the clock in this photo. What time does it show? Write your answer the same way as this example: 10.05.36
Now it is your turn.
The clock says 3.28.55
